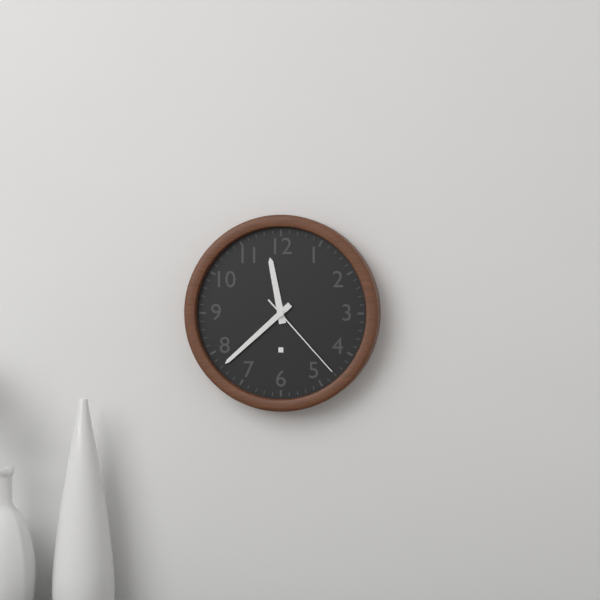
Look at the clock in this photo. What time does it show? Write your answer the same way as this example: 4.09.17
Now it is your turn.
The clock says 11.38.23
